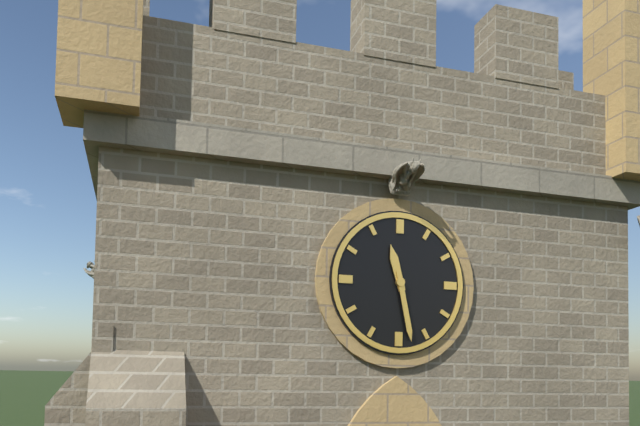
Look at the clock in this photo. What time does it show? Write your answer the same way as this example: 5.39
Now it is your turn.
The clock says 11.28
